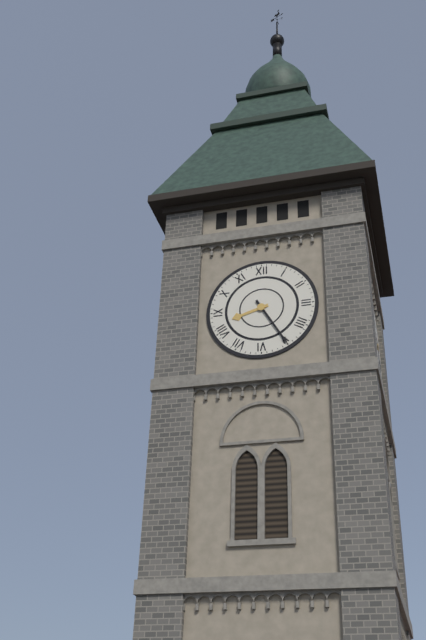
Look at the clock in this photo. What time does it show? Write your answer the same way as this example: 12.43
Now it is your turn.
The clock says 8.25
